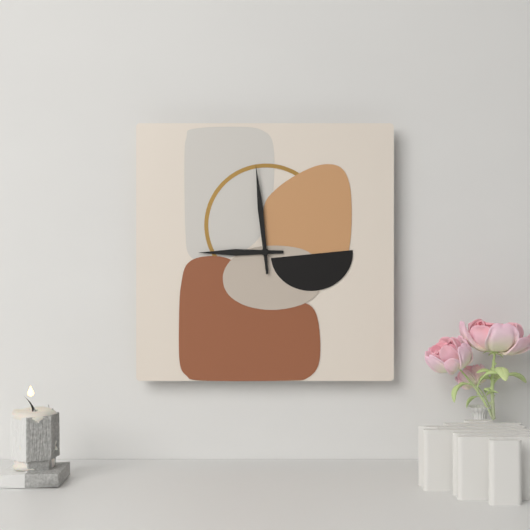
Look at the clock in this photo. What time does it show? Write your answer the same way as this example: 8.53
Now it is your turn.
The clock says 8.59
